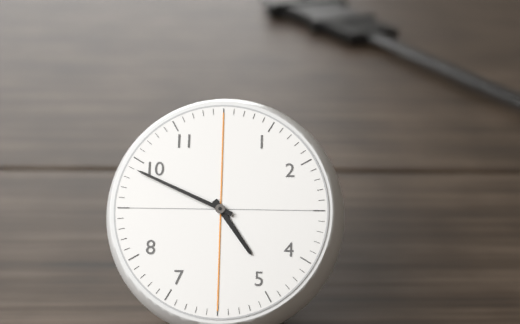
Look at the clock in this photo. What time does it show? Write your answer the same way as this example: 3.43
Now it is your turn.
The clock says 4.49
